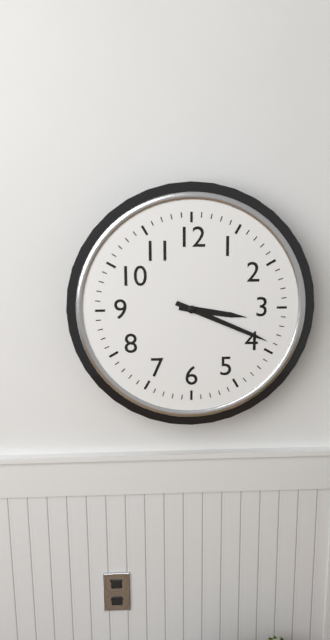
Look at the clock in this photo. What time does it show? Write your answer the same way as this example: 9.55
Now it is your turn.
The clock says 3.19
